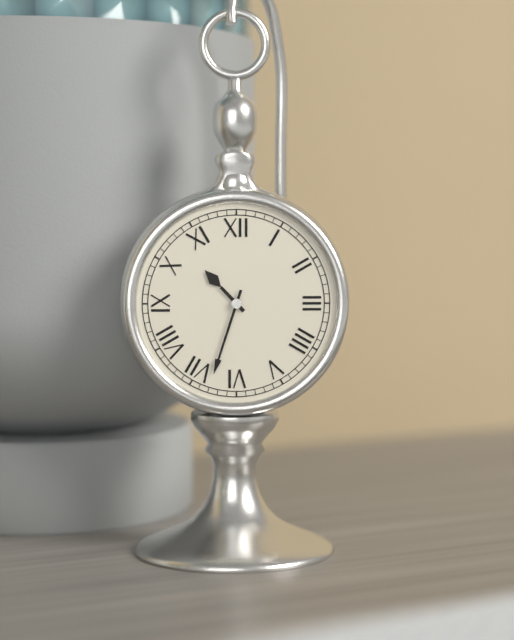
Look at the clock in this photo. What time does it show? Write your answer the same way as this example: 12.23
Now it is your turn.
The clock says 10.33
